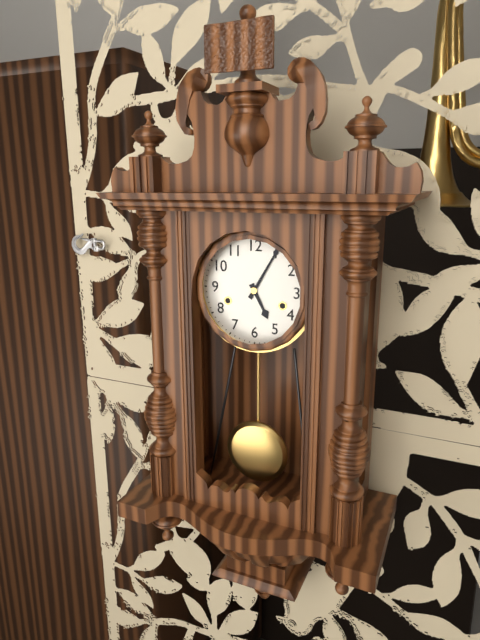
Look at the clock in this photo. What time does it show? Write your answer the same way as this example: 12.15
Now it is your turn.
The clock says 5.05
